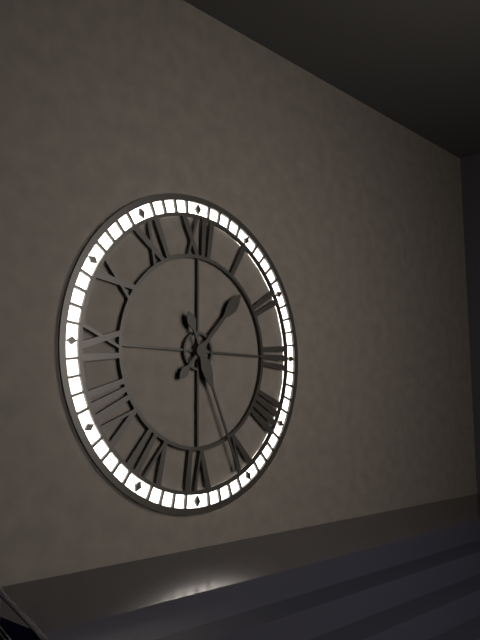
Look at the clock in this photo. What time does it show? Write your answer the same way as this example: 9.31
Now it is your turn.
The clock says 1.26
